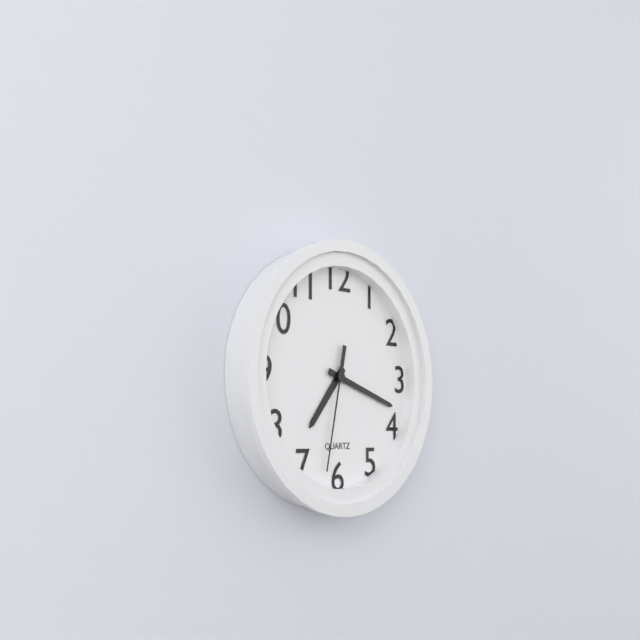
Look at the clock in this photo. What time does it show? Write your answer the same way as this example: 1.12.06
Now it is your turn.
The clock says 7.18.32
